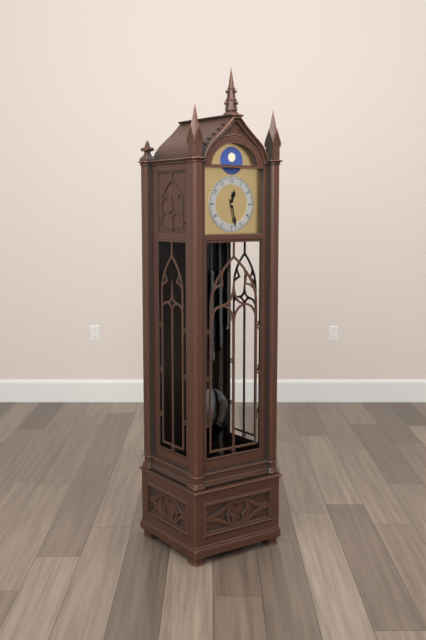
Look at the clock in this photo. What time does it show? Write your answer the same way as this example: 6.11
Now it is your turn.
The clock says 12.28
